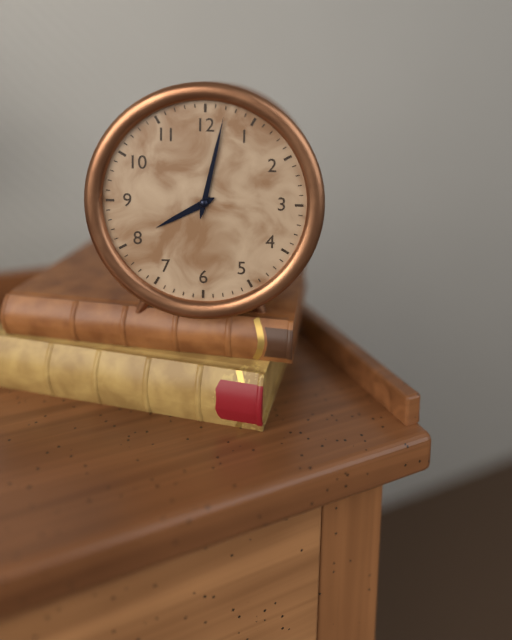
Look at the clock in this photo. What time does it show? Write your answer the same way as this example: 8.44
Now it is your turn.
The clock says 8.02
